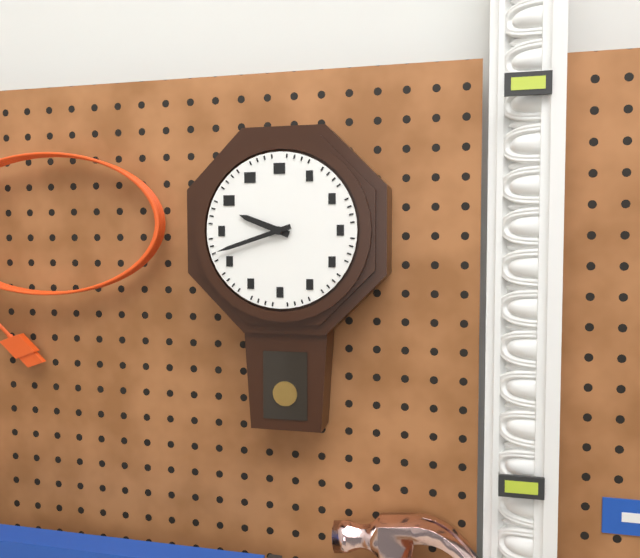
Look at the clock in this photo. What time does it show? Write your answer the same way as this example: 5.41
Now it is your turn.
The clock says 9.42
